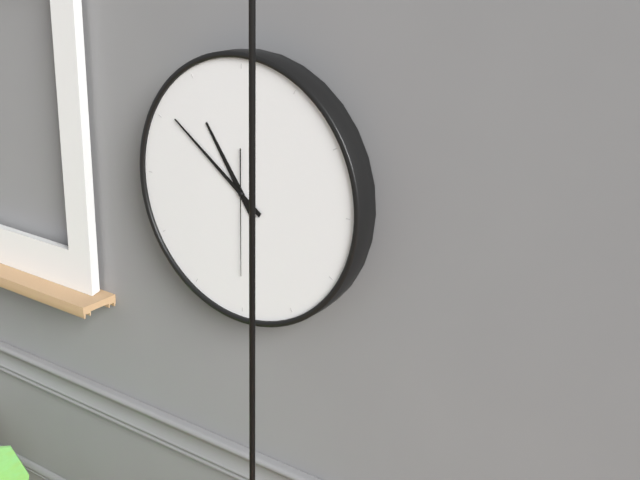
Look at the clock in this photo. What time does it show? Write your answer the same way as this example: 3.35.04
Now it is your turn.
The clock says 10.51.30
